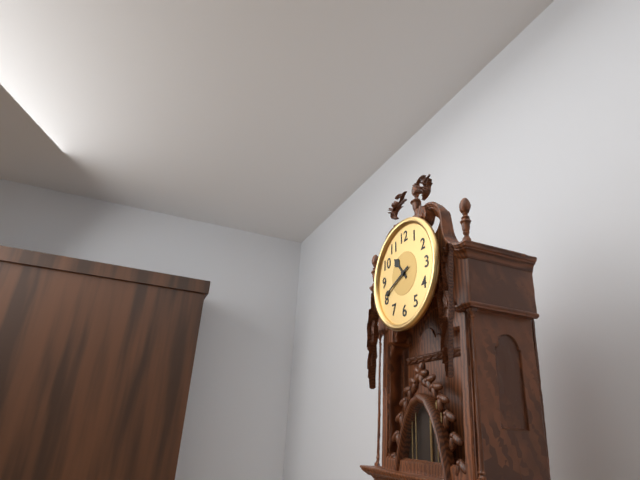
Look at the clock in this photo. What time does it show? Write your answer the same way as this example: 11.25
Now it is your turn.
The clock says 10.41
